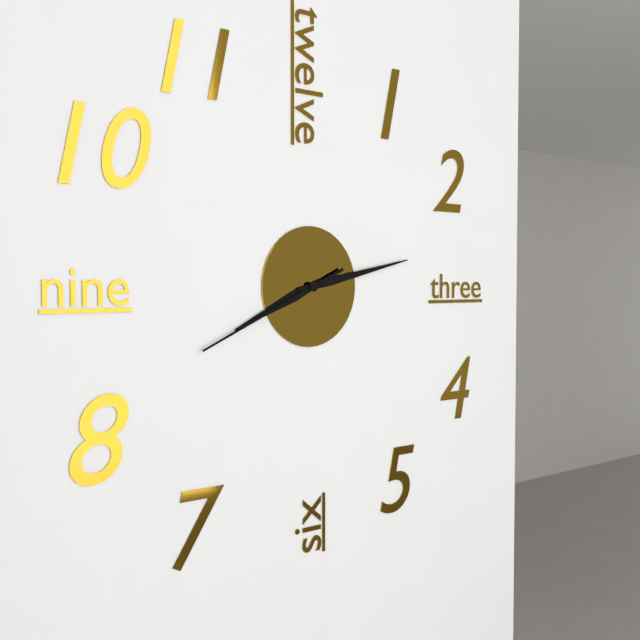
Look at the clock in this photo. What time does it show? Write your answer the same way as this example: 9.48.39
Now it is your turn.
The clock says 8.13.41
